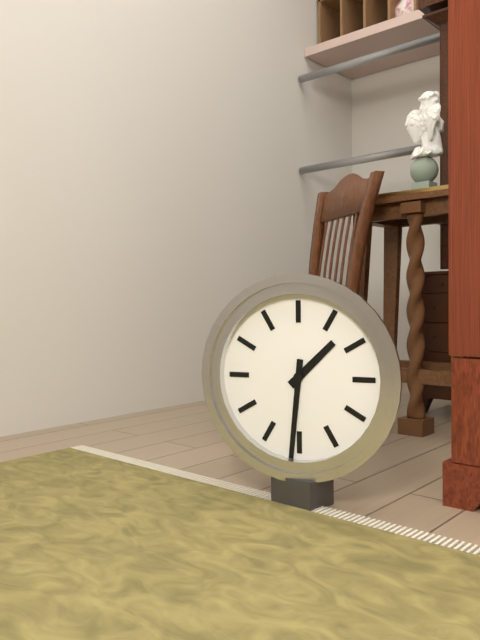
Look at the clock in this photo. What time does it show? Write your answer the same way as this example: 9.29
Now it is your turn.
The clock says 1.31
